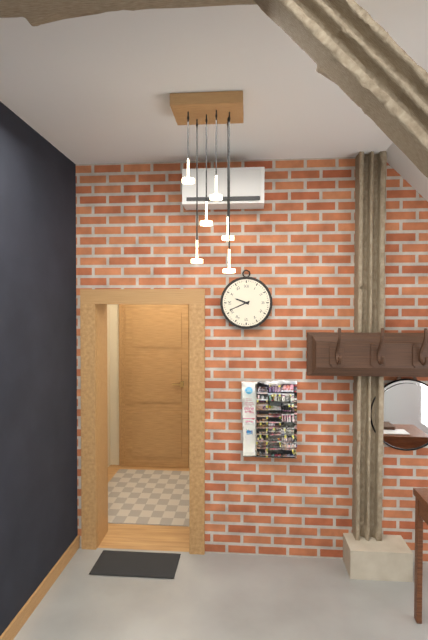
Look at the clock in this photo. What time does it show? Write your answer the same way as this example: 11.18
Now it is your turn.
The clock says 9.41
